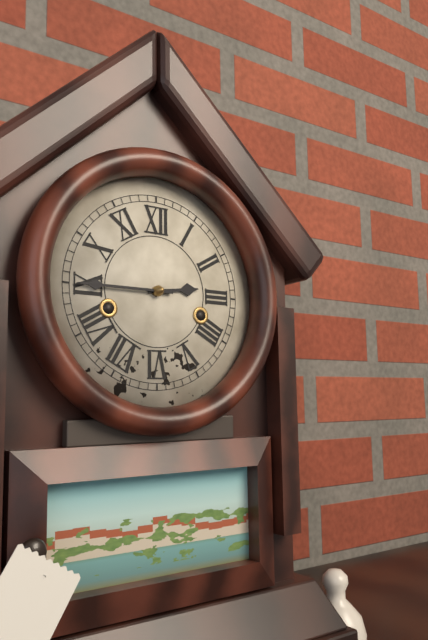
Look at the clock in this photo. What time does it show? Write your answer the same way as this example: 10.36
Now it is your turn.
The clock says 2.45
